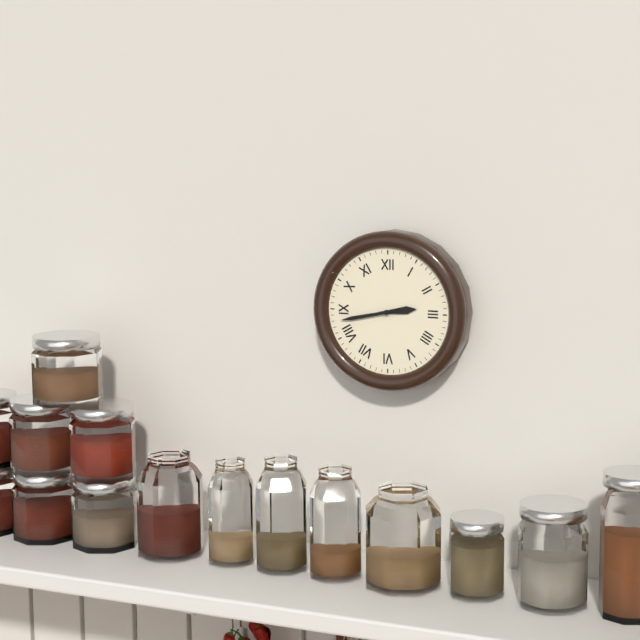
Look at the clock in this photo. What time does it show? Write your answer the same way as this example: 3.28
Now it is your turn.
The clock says 2.43
